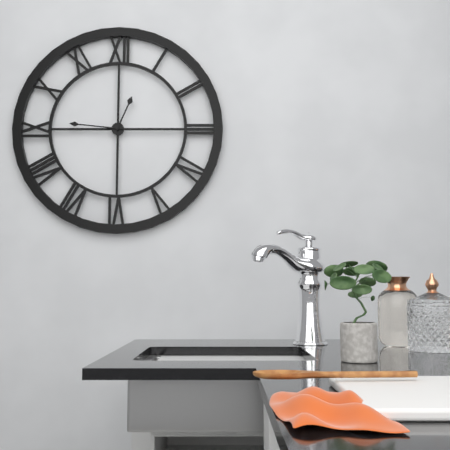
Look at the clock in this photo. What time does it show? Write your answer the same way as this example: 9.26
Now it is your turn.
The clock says 12.46
